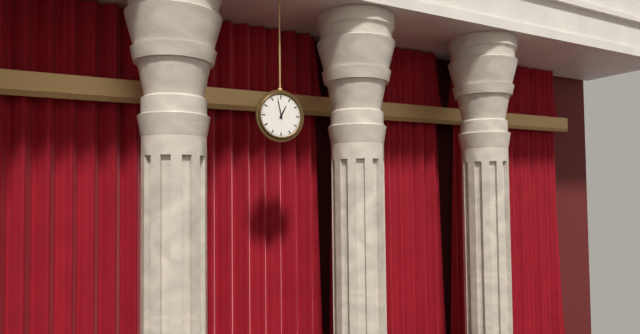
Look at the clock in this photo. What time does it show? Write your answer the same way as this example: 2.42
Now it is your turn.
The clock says 12.58
